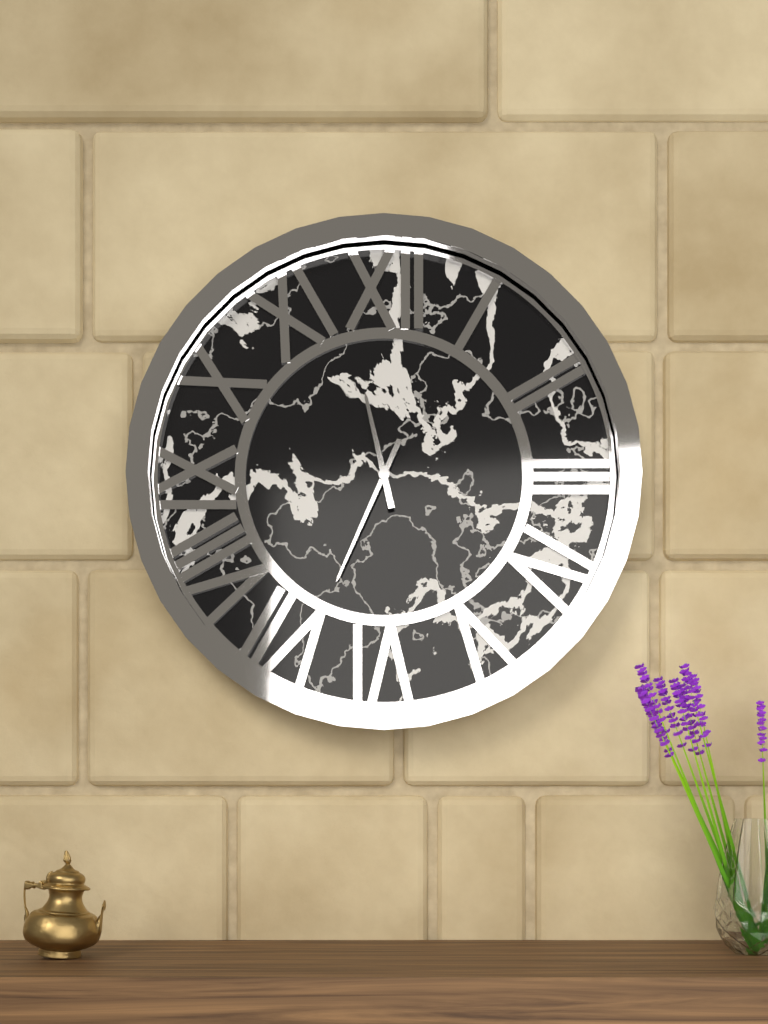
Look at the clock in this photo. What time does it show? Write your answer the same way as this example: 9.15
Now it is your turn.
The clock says 11.34
